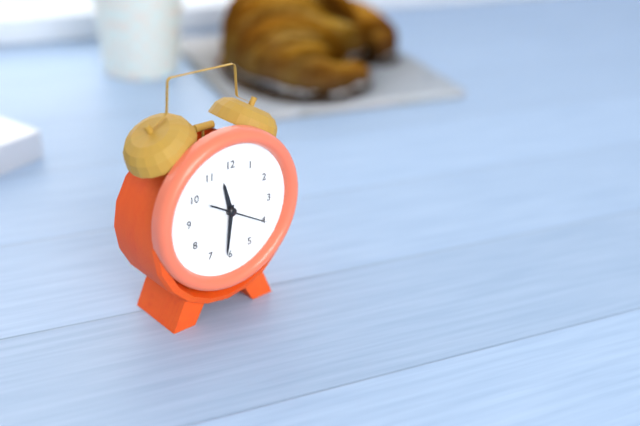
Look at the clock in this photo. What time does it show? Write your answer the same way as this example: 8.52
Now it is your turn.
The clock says 11.31
